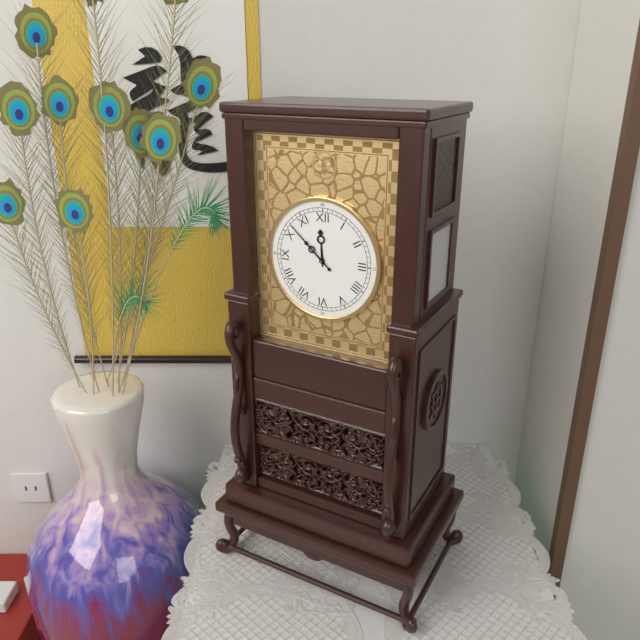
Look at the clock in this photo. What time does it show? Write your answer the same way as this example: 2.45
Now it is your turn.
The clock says 11.52
